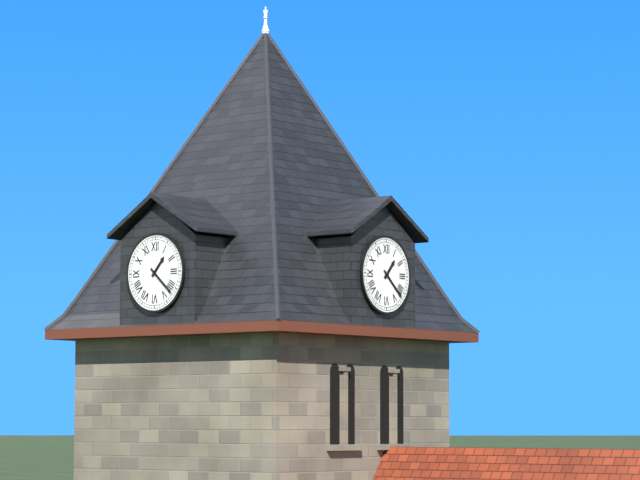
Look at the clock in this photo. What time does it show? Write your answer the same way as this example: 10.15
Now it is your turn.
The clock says 1.22
